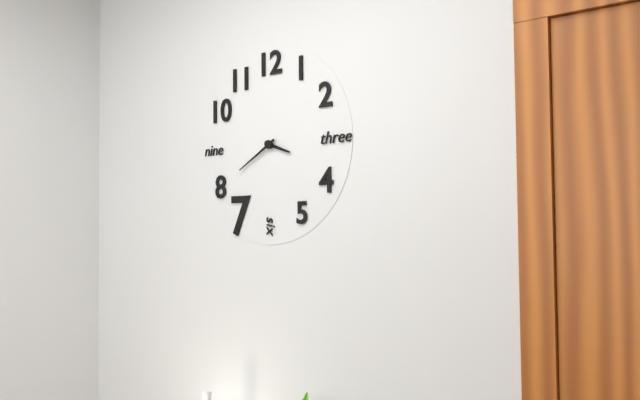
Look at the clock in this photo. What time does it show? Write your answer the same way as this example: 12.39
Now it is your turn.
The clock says 3.40
